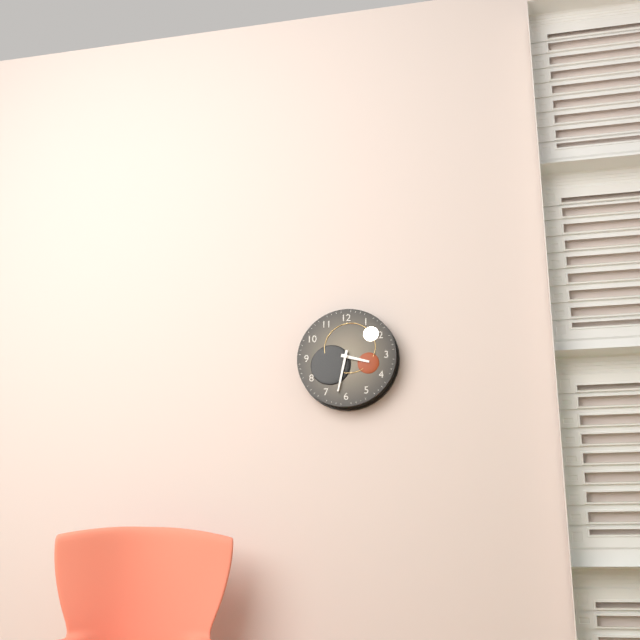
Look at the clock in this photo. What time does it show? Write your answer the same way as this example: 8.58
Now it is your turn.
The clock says 3.32
